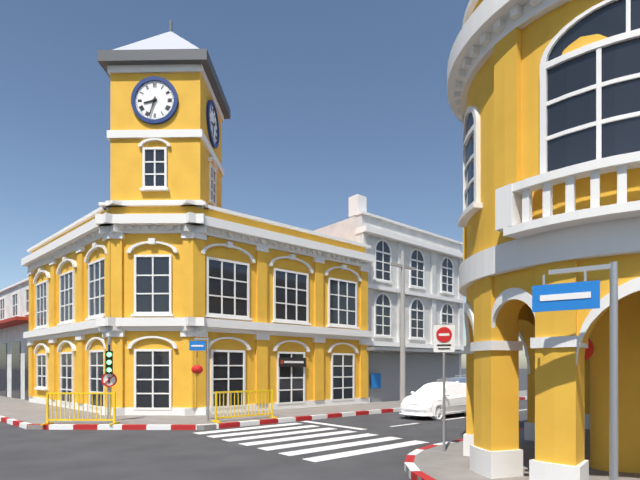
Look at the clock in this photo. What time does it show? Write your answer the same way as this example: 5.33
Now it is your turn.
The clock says 8.33
